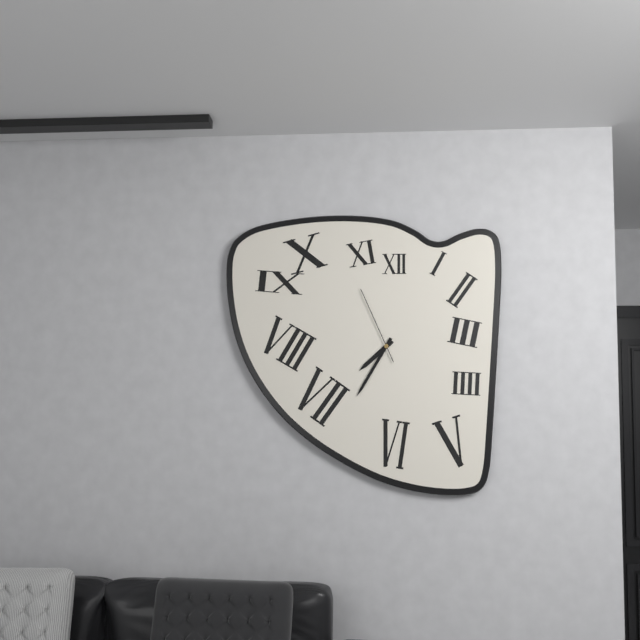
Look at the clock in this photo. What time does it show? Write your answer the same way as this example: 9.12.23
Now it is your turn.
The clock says 7.35.56
